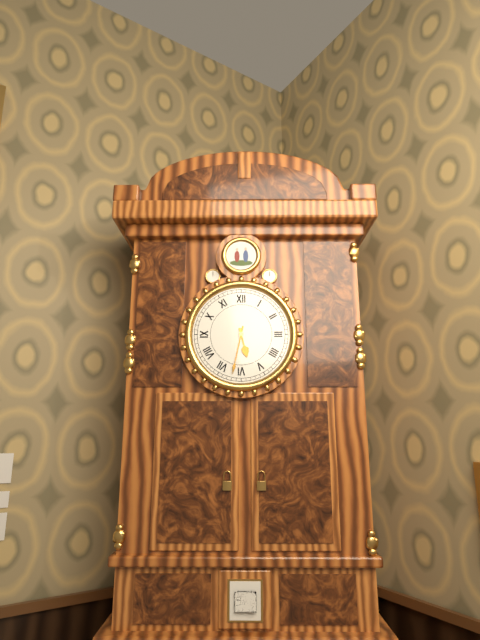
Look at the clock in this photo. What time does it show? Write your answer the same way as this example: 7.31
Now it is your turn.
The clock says 5.32
